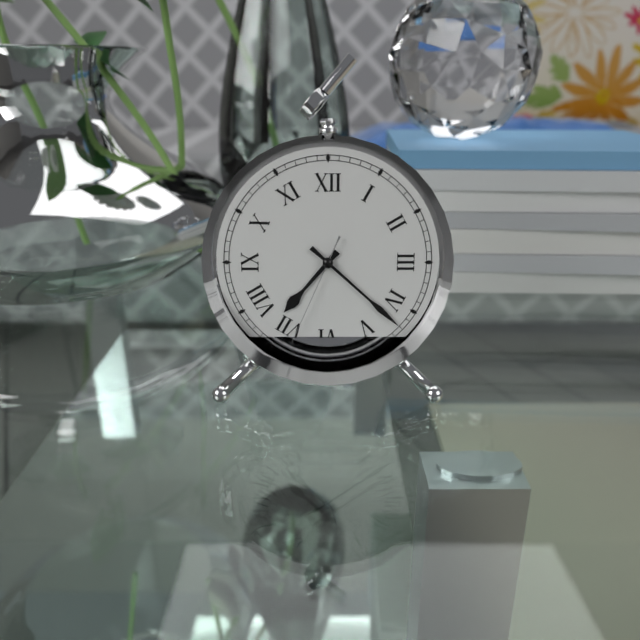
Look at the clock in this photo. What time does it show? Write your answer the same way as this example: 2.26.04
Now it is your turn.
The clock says 7.22.34
